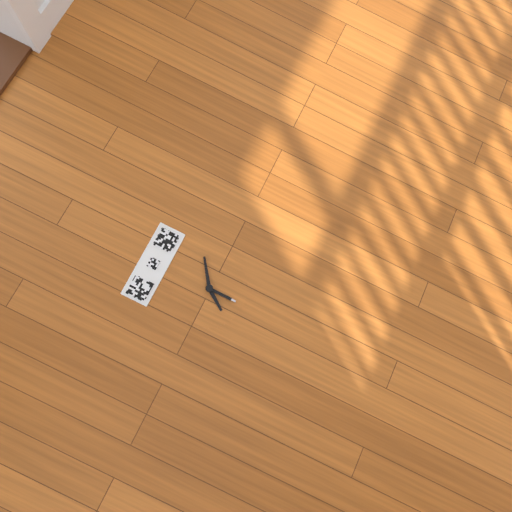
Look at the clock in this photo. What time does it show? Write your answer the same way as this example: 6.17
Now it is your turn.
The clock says 7.09
